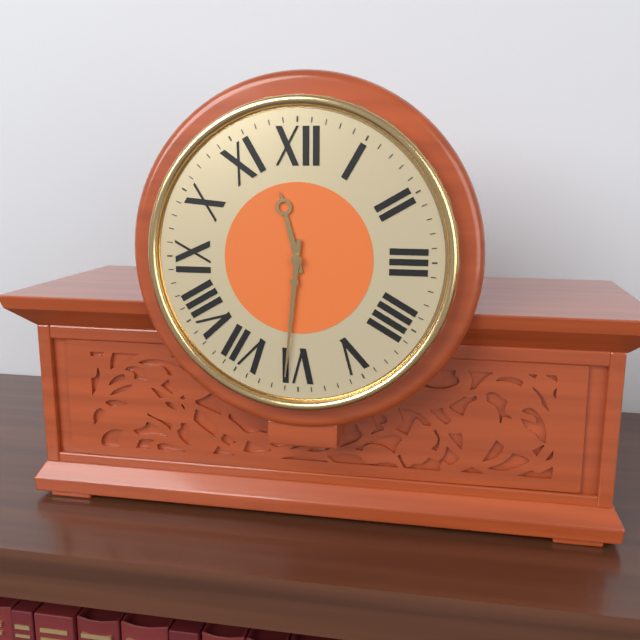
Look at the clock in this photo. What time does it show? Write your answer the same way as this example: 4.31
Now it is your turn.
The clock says 11.31
